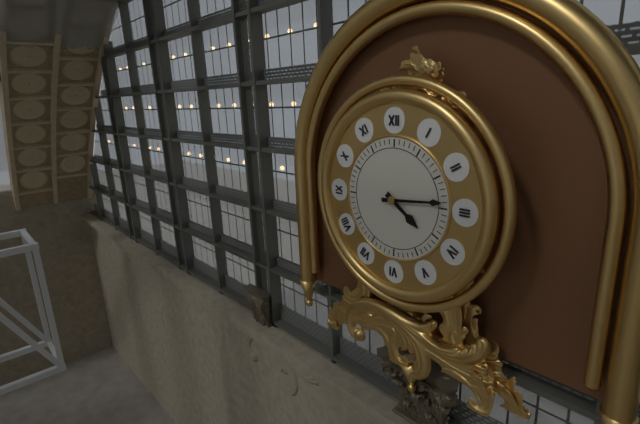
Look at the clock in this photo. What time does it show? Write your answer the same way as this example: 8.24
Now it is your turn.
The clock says 4.14
